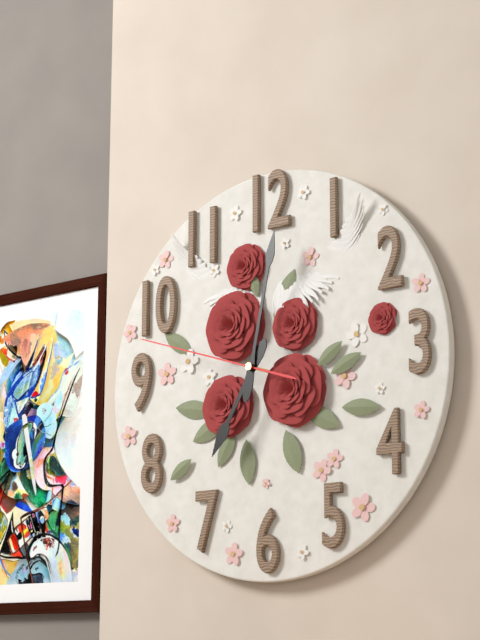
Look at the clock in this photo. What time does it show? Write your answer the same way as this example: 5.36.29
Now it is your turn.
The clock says 7.02.48
